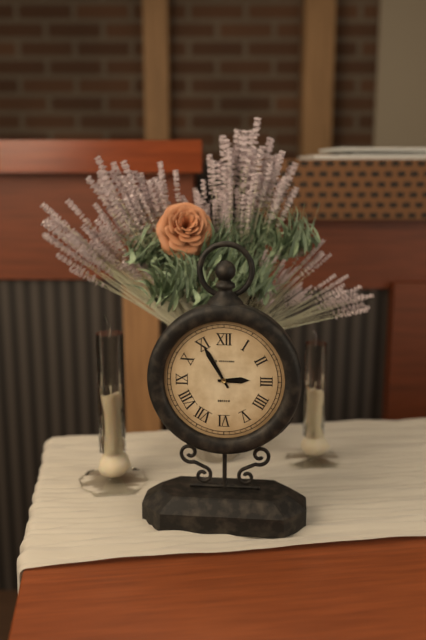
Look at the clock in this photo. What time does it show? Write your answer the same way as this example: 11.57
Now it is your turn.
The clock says 2.55
